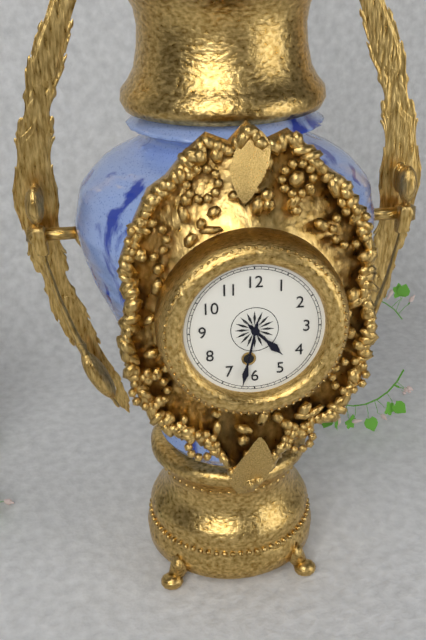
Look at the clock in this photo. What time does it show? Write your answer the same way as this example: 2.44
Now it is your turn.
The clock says 4.32
